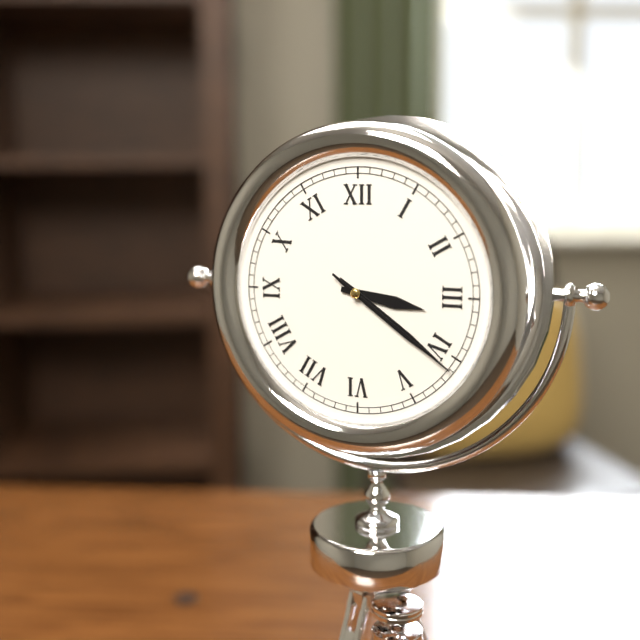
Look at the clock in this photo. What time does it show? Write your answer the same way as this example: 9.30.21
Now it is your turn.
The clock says 3.21.21
